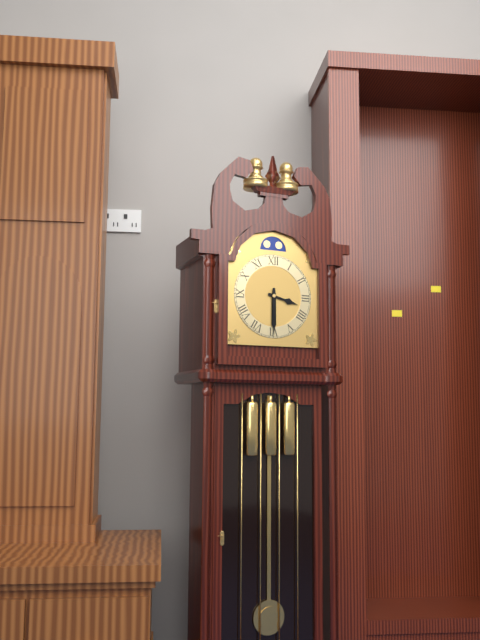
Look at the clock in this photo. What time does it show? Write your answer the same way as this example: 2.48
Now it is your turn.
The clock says 3.30
